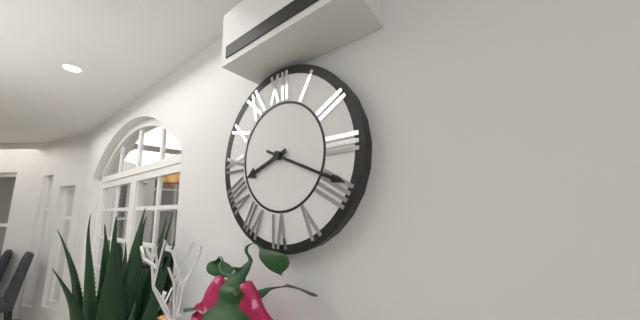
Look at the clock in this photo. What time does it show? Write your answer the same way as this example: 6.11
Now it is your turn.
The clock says 8.19
